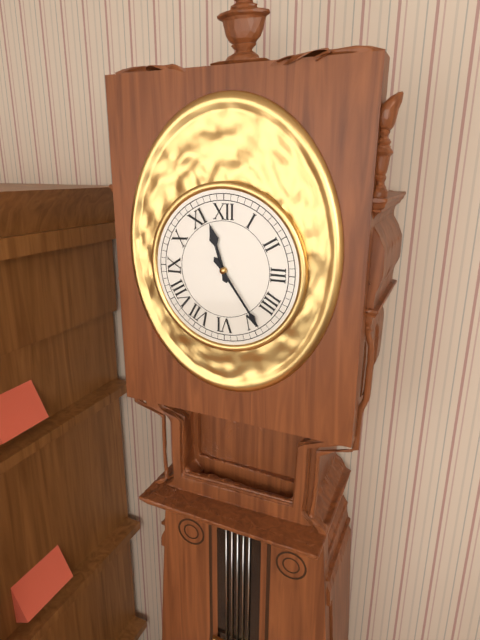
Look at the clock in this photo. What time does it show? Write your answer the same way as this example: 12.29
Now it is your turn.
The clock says 11.24
